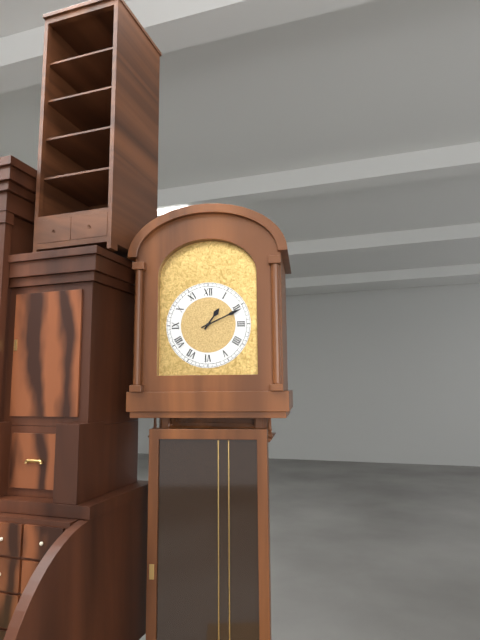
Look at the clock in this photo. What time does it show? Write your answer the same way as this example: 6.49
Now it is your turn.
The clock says 1.11
